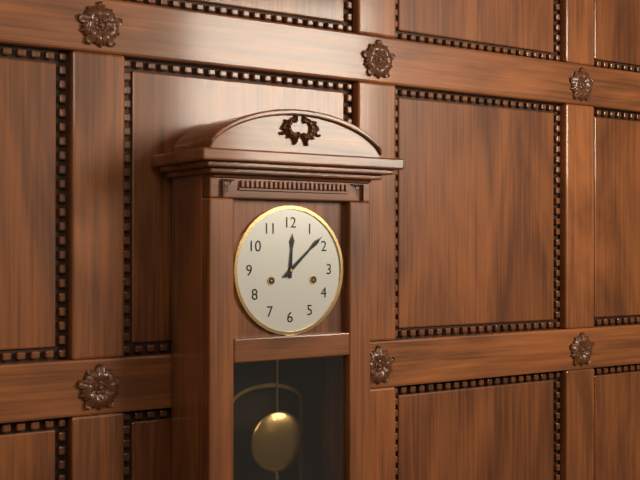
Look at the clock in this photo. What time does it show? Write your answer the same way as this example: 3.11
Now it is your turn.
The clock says 12.08
